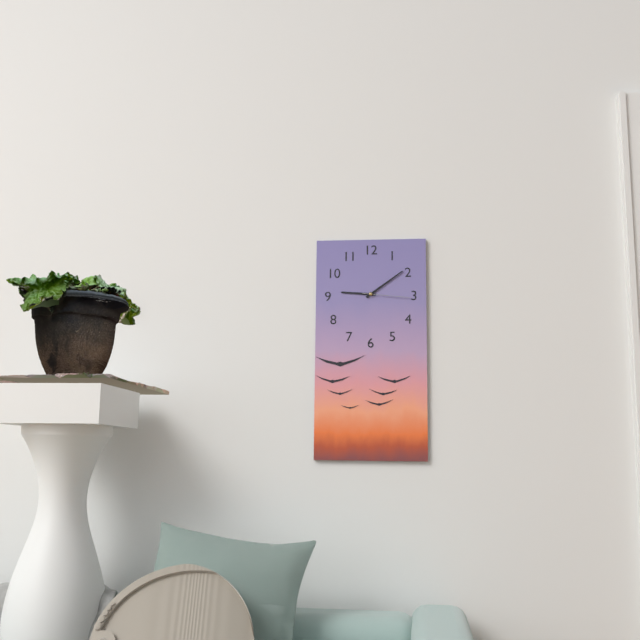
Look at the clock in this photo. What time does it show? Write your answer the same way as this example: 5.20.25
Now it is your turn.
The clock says 9.09.16
